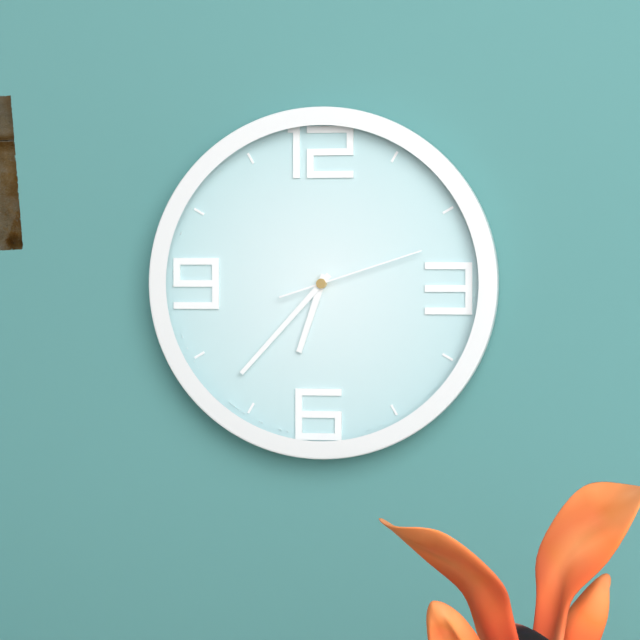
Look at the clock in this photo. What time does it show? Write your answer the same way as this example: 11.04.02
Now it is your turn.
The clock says 6.37.12
